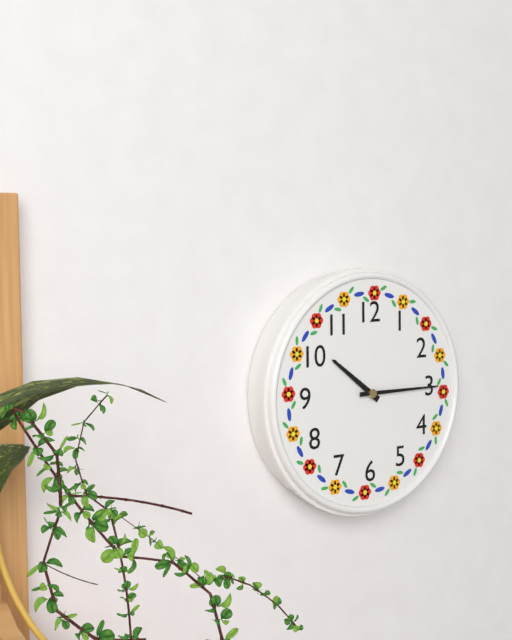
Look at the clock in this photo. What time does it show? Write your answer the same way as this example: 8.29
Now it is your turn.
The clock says 10.15
